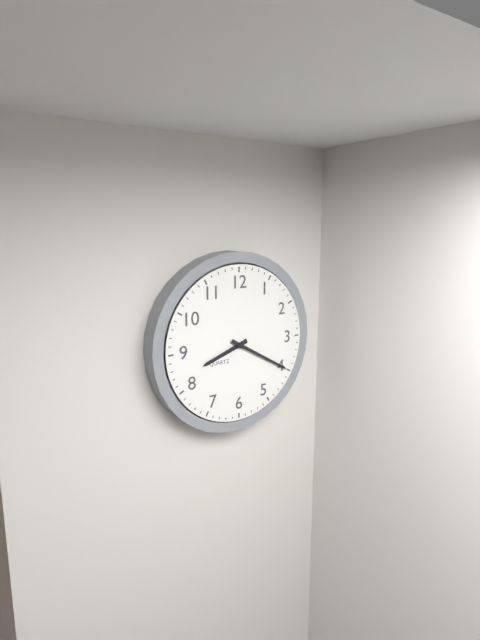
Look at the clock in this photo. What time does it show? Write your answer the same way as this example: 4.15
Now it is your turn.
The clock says 8.20
